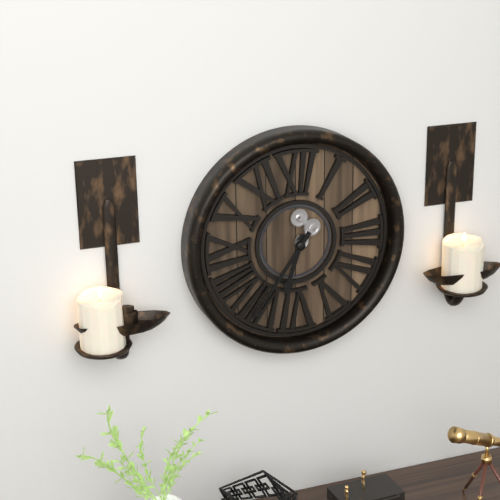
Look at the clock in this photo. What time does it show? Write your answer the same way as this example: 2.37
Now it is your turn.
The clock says 6.36
